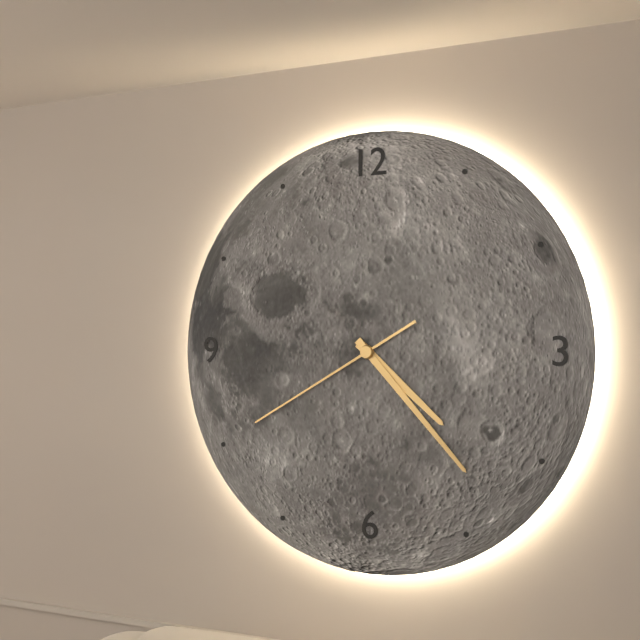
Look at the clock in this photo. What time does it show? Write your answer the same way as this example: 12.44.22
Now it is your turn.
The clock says 4.23.40
